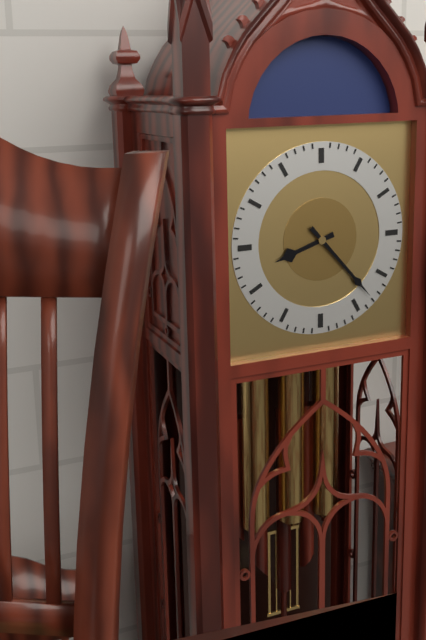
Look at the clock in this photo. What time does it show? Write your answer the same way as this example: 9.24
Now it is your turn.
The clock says 8.23
